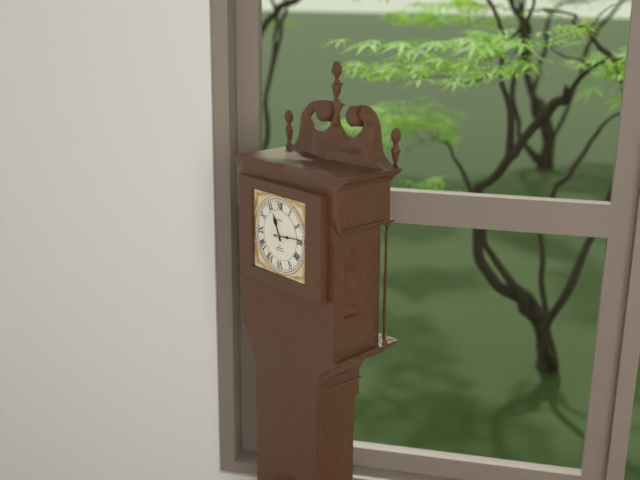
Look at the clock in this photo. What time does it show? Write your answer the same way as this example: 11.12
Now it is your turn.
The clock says 11.14
